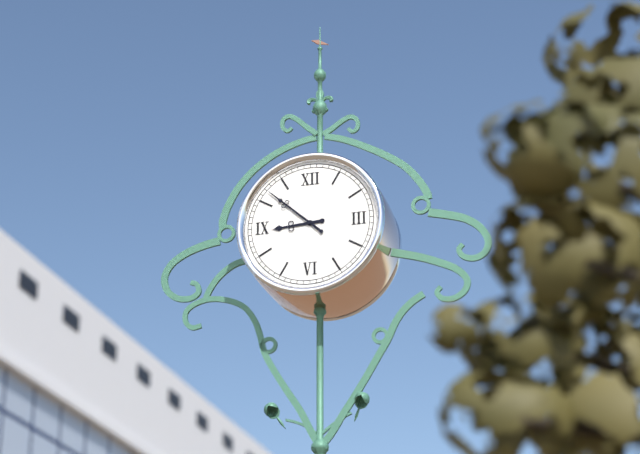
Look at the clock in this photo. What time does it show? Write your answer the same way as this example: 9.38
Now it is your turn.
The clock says 8.52
